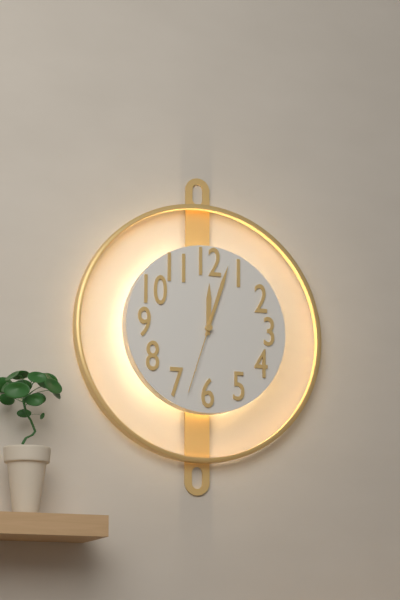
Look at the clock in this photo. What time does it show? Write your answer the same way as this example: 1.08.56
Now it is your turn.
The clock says 12.03.33
